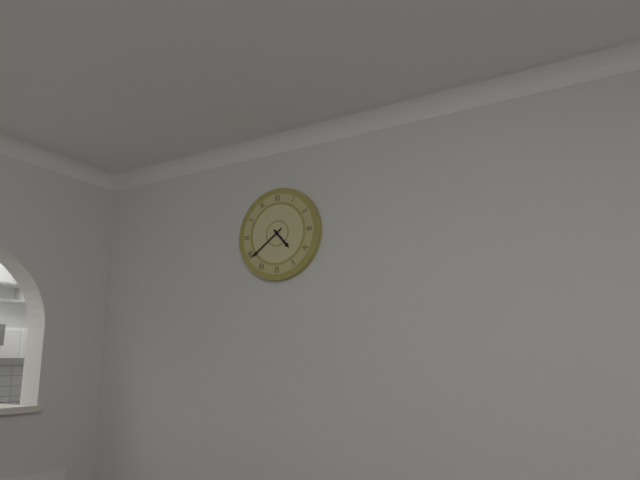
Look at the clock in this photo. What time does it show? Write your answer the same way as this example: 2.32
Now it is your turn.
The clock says 4.39
